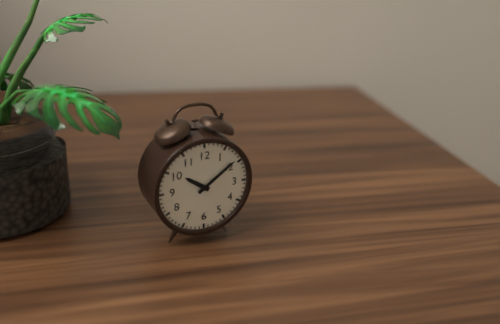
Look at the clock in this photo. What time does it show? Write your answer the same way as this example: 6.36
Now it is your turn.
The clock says 10.09
